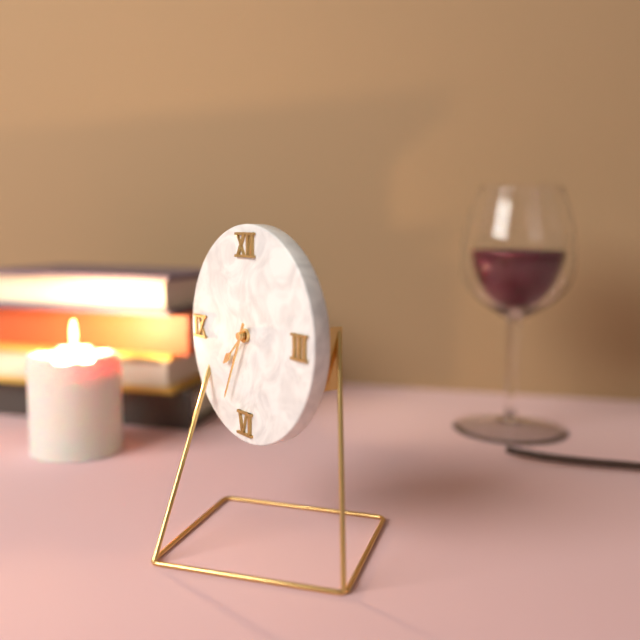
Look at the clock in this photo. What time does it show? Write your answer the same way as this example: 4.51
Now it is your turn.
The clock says 7.34
